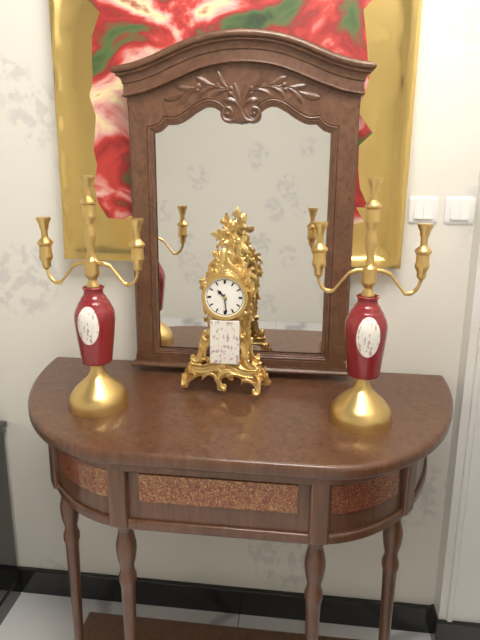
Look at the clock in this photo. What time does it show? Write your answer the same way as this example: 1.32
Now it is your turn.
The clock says 10.29
